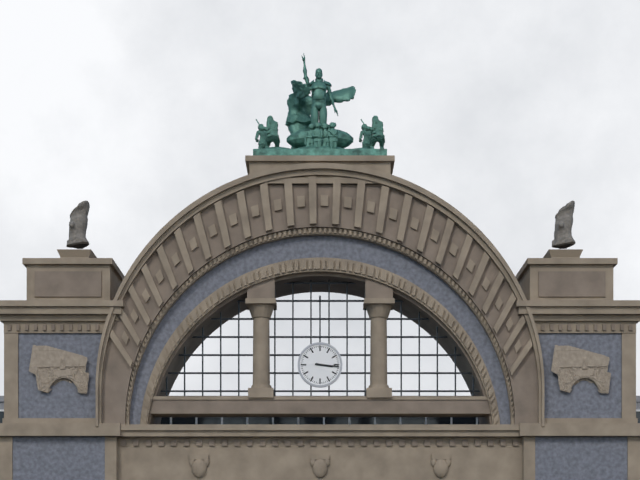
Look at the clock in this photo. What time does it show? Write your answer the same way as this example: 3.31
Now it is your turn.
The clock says 3.16
